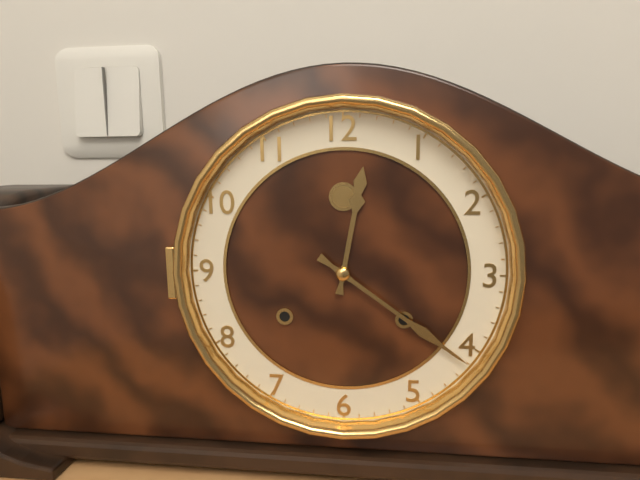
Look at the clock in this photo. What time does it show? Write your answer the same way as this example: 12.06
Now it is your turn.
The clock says 12.21
